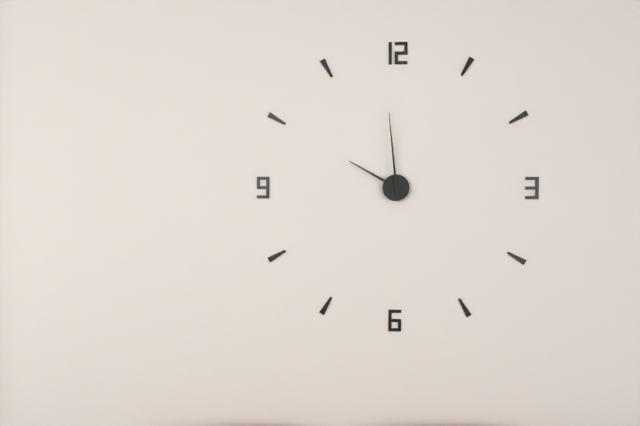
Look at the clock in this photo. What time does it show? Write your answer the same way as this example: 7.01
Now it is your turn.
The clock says 9.59
